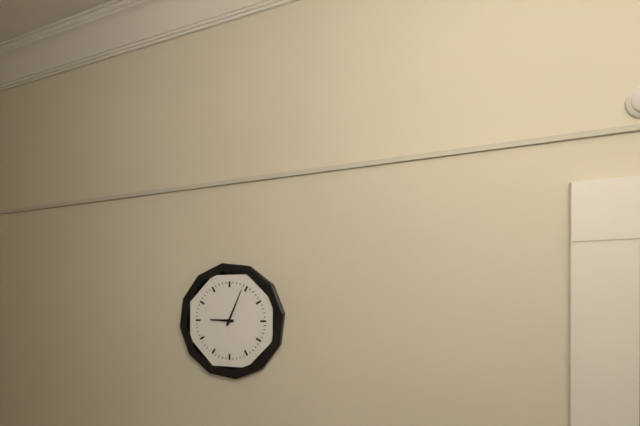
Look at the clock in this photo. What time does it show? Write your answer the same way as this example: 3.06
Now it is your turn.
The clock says 9.04
